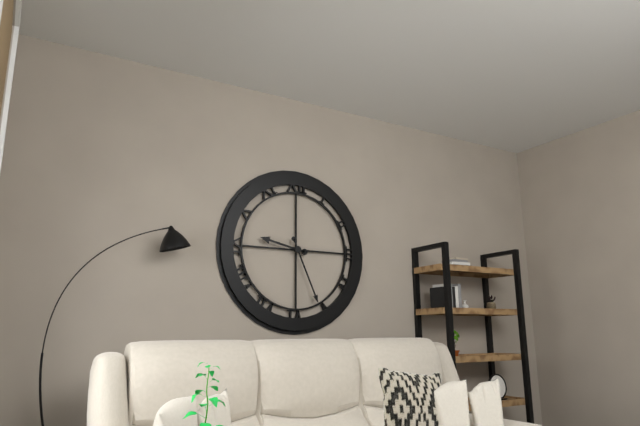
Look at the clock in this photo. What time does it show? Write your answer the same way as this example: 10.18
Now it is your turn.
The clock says 9.26
